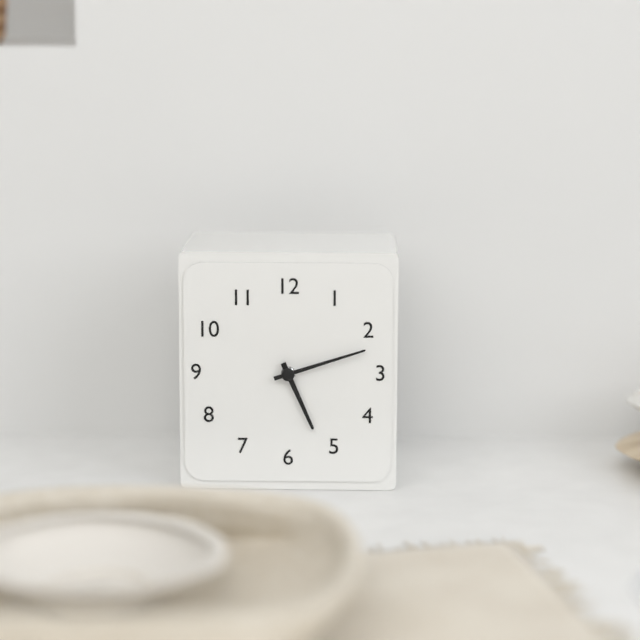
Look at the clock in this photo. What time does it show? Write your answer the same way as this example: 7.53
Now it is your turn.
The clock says 5.12
